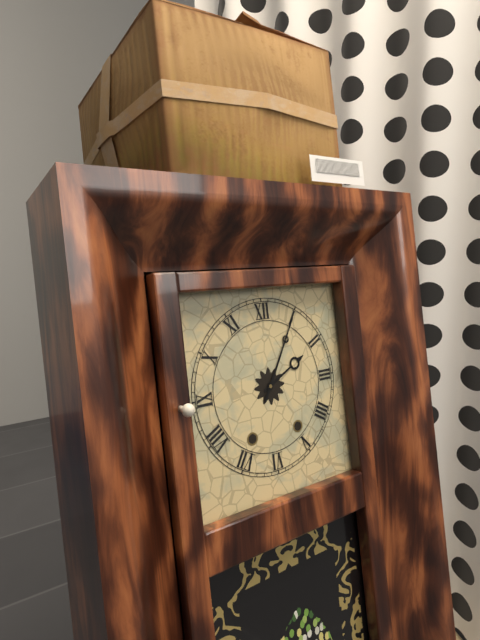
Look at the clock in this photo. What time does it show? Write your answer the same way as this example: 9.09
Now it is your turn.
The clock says 2.05
